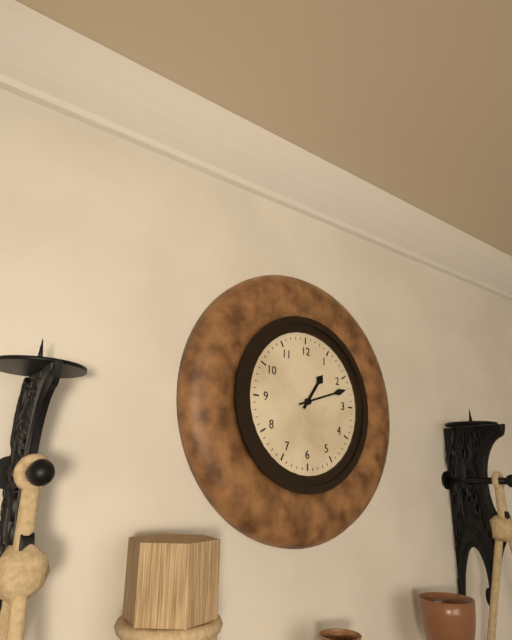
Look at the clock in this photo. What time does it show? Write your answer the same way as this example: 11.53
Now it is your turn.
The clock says 1.12
